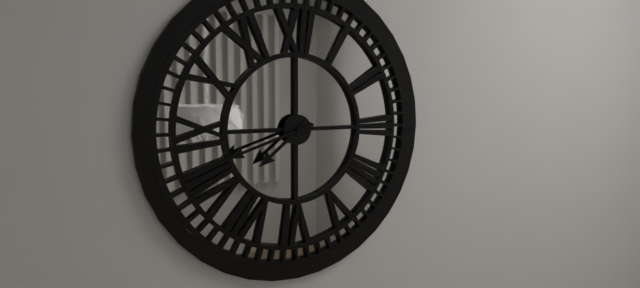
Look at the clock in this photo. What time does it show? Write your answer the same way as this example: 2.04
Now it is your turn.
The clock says 7.42
